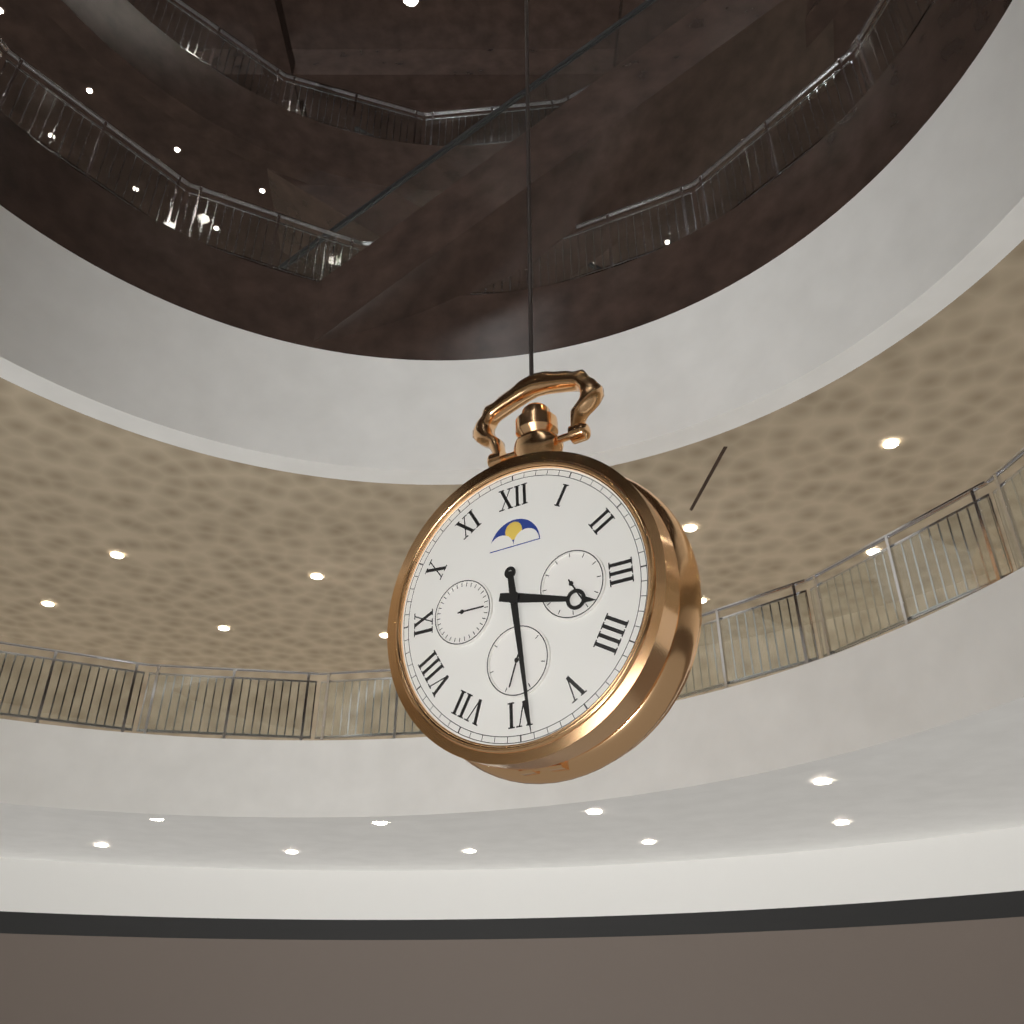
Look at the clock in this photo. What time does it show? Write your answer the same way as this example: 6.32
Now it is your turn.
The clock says 3.29
